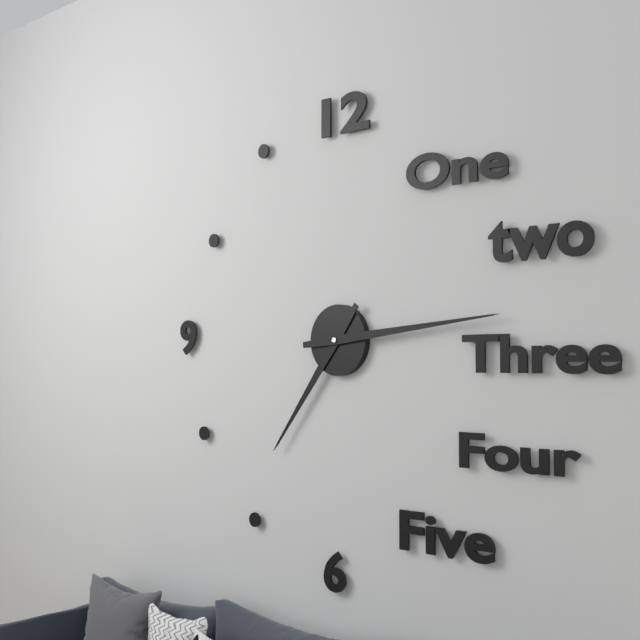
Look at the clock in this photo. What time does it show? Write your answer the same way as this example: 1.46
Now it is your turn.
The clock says 7.14
